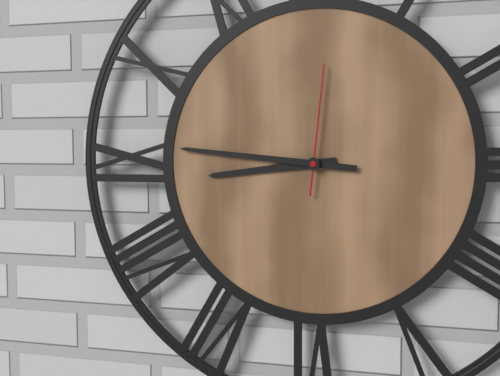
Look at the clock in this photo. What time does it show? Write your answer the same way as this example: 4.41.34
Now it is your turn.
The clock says 8.46.01
